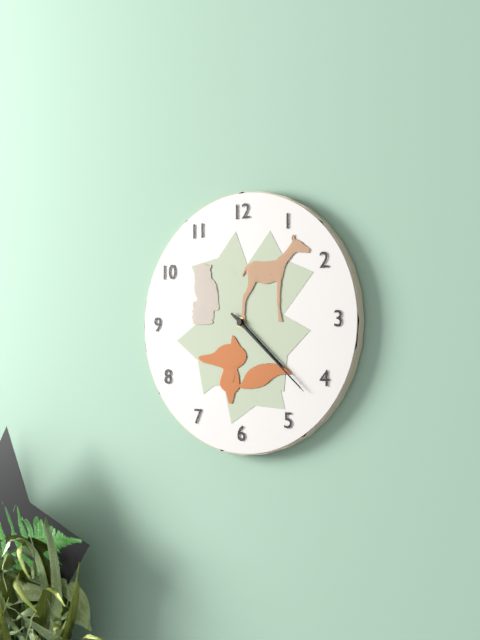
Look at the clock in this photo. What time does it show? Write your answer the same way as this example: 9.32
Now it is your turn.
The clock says 4.22
